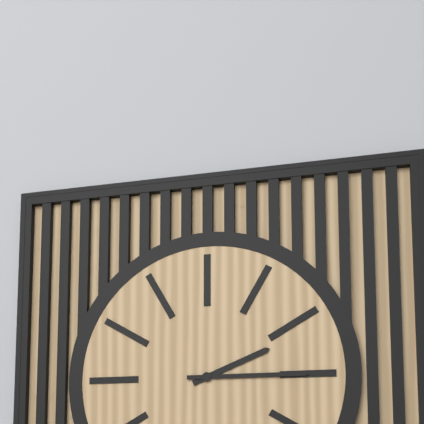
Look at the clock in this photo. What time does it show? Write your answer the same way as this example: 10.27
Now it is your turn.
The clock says 2.15
